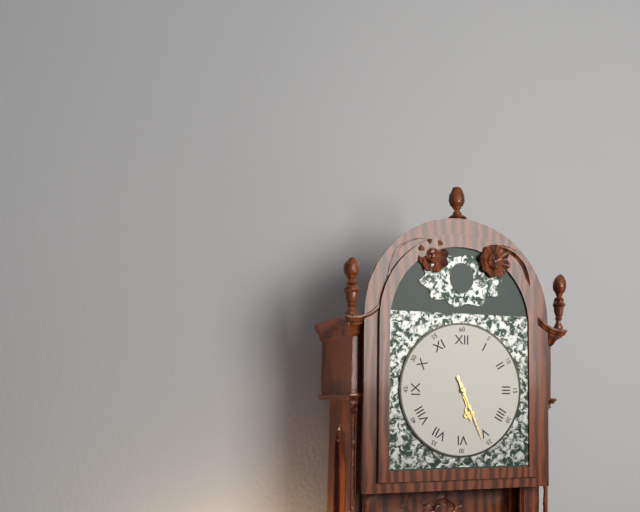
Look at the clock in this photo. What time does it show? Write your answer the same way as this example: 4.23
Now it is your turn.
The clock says 5.26
